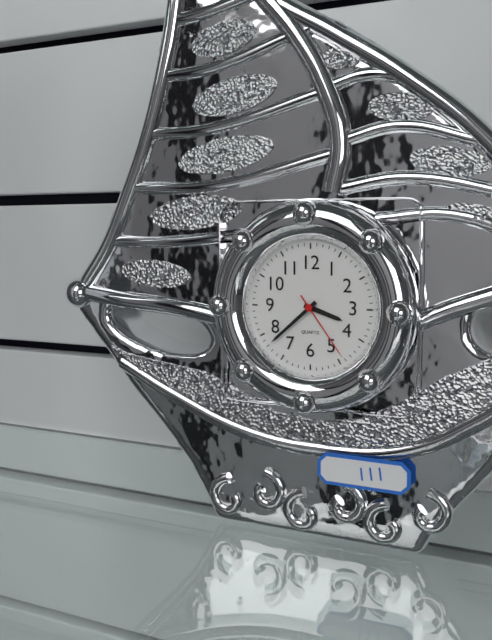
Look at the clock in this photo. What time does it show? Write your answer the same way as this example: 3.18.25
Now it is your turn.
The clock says 3.38.24
